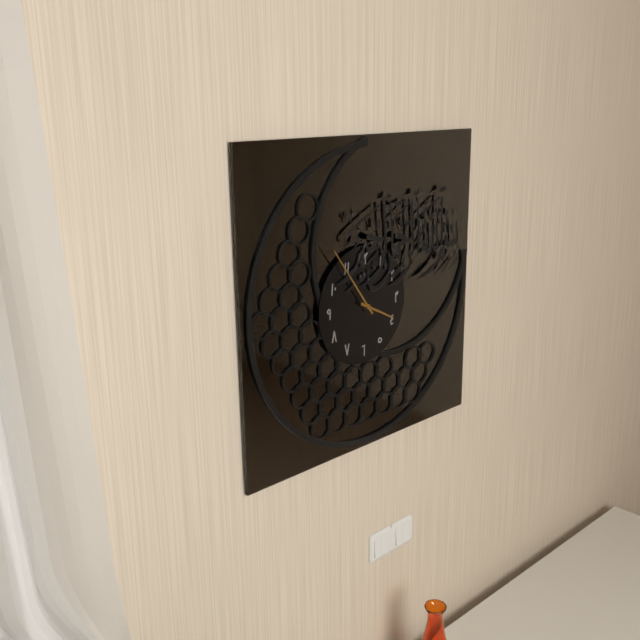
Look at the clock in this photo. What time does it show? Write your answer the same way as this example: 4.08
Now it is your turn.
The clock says 3.54
